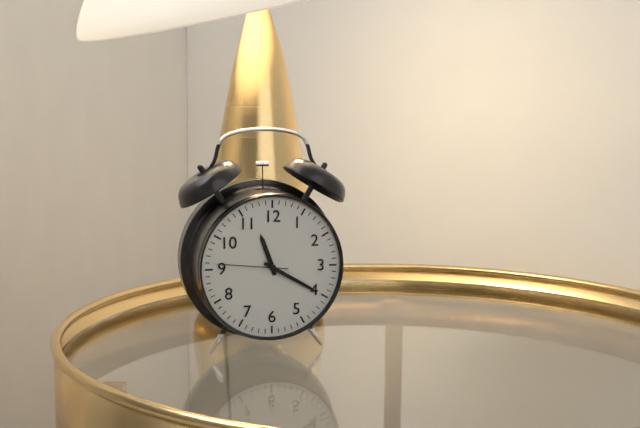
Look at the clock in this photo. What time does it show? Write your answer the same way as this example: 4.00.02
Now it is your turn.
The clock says 11.20.46
